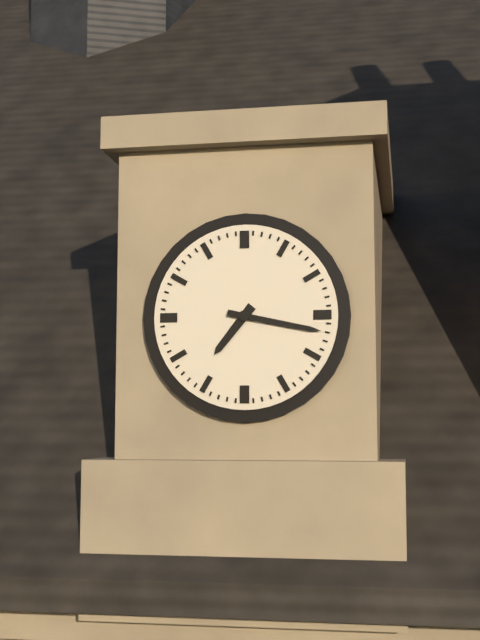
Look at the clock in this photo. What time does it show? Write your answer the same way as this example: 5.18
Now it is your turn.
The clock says 7.17
